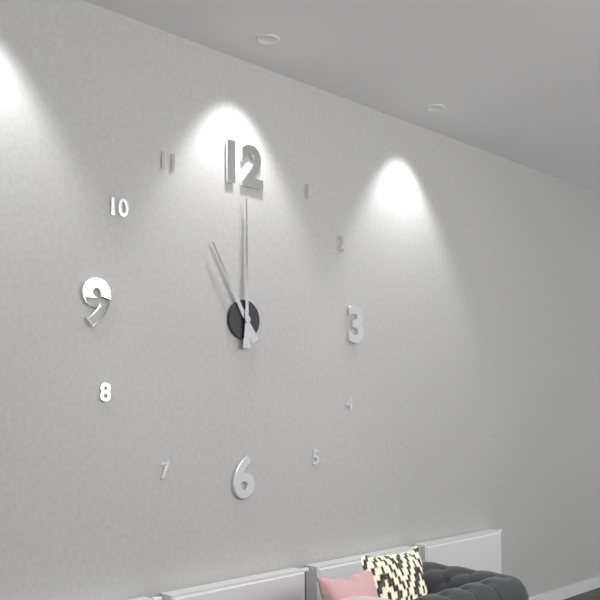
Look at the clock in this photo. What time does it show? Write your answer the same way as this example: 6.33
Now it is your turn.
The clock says 11.00
